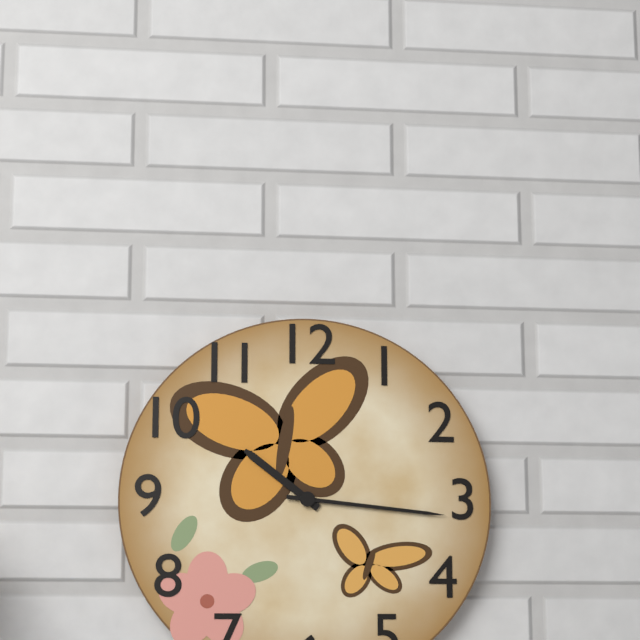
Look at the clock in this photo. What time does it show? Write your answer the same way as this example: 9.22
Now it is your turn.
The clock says 10.16
